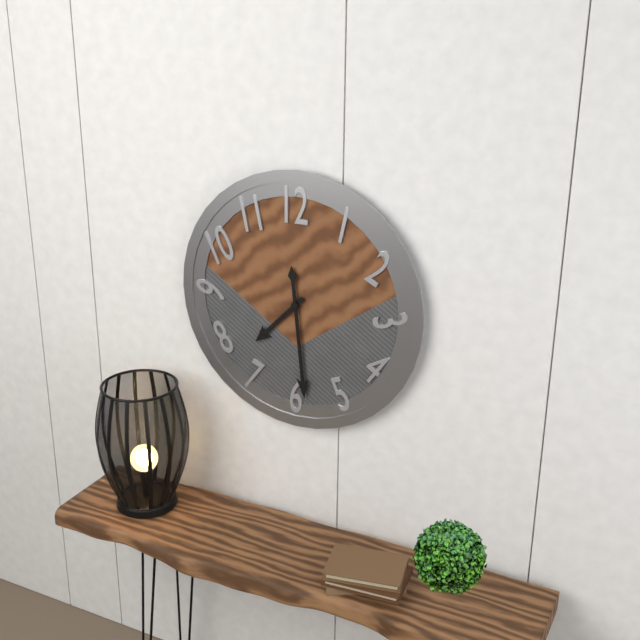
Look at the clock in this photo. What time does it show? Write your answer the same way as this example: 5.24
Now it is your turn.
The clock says 7.29
